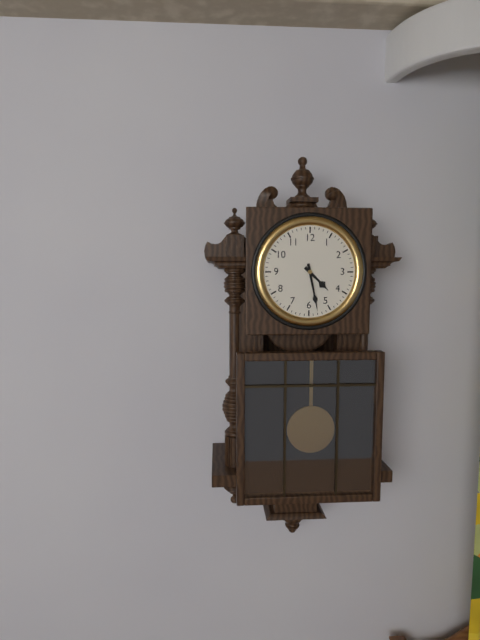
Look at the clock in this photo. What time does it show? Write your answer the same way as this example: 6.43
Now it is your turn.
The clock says 4.28
